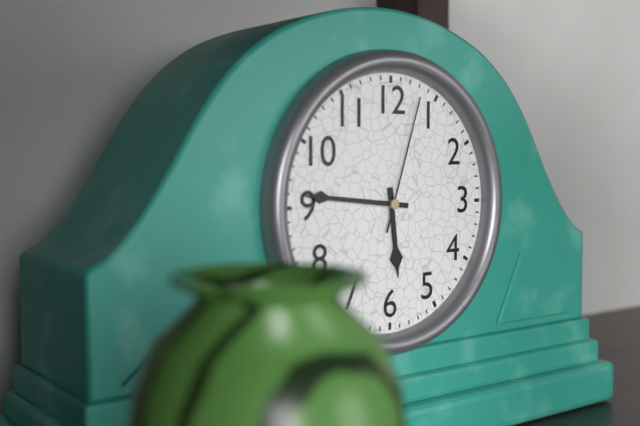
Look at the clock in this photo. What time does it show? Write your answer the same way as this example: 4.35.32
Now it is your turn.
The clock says 5.46.03
